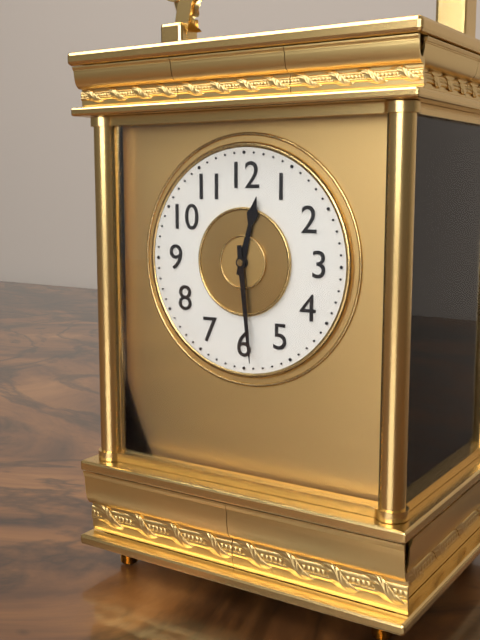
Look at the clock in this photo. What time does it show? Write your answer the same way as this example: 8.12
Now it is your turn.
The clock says 12.29
